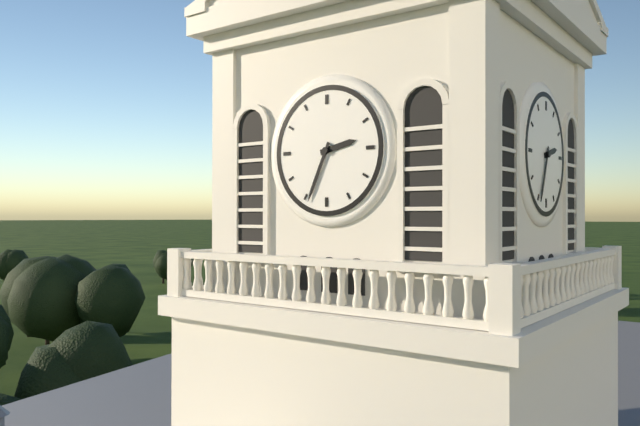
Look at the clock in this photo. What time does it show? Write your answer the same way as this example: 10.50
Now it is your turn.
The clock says 2.34
